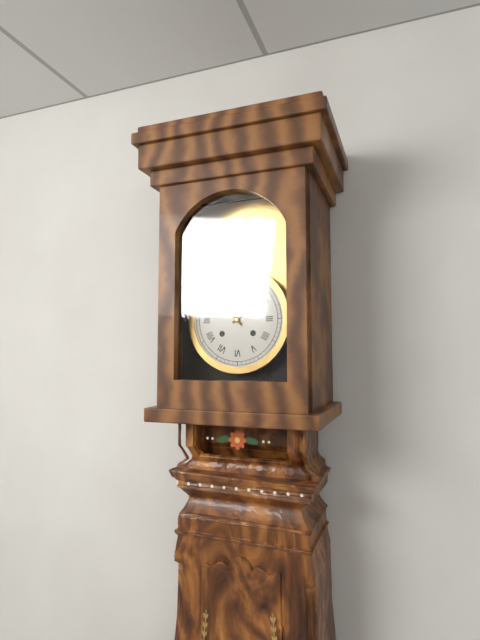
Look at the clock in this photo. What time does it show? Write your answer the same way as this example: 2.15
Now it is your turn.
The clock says 1.53
